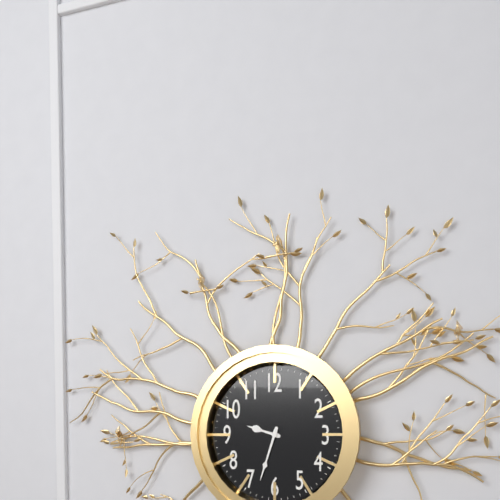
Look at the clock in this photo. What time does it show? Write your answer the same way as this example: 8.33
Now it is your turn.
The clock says 9.33
